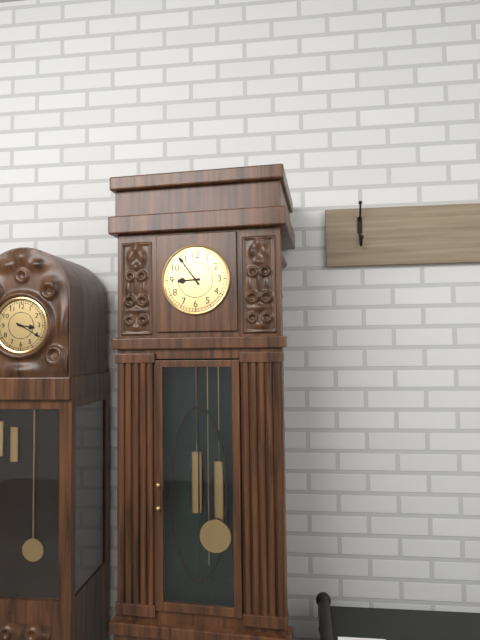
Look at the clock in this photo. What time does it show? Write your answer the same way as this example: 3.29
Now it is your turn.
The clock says 8.54
